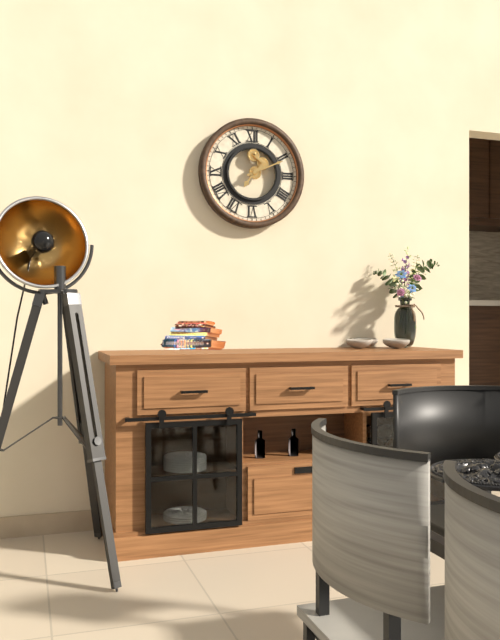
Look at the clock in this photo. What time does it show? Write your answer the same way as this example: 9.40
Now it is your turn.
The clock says 7.11
